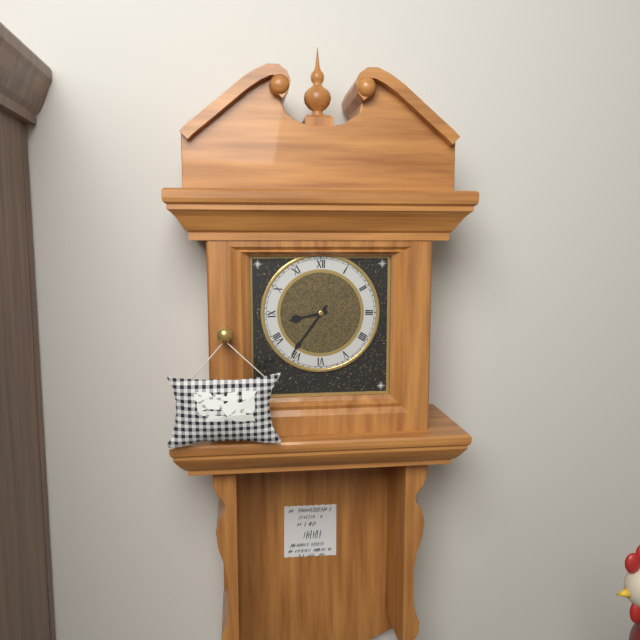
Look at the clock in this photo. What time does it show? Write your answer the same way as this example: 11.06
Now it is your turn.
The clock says 8.36
